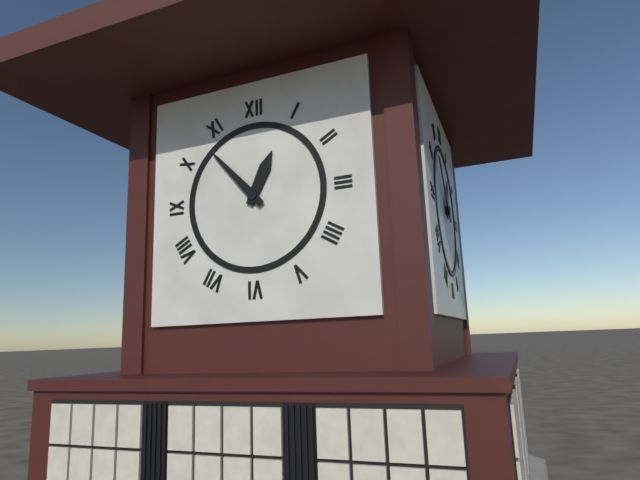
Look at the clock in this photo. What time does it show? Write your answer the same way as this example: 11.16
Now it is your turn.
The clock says 12.53
